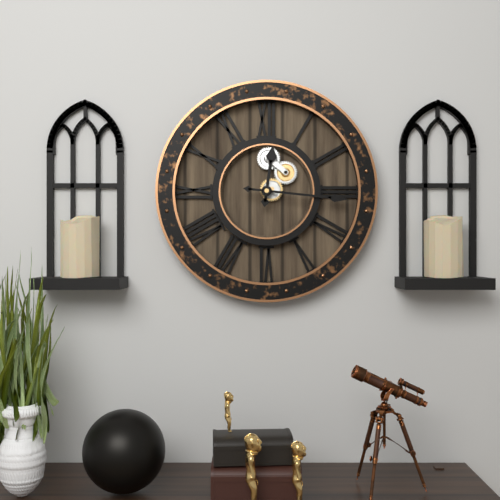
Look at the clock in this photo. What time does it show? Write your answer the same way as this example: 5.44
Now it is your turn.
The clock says 12.16
